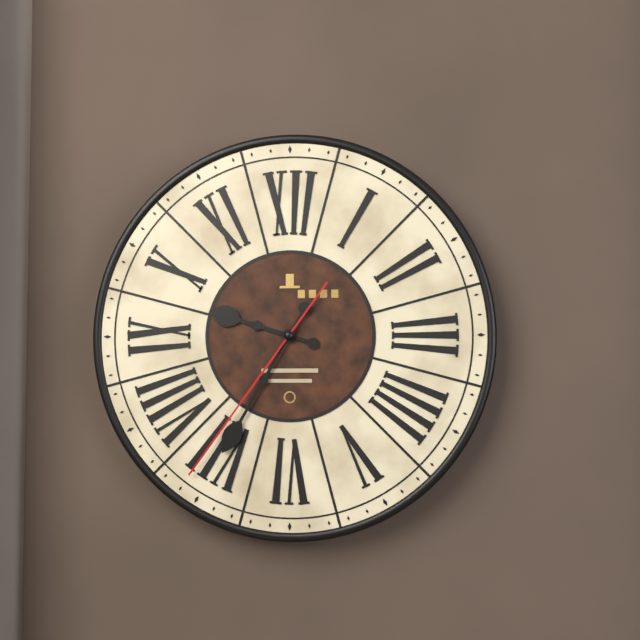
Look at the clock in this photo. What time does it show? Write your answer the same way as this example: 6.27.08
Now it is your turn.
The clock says 9.35.36
